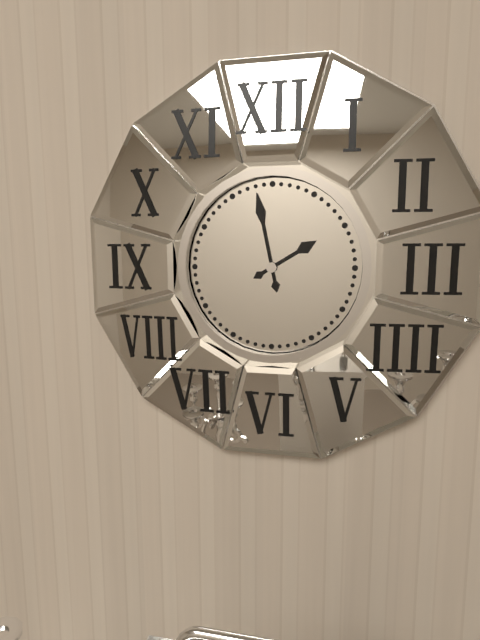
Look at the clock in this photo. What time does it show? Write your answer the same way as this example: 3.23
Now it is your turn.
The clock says 1.58
